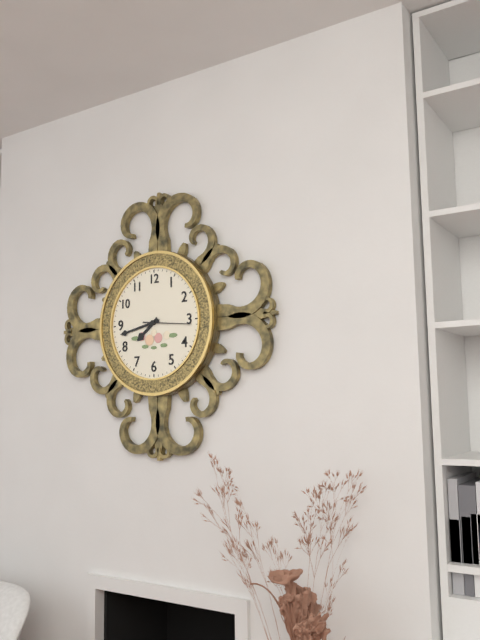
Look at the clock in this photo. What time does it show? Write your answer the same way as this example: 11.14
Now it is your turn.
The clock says 7.43
